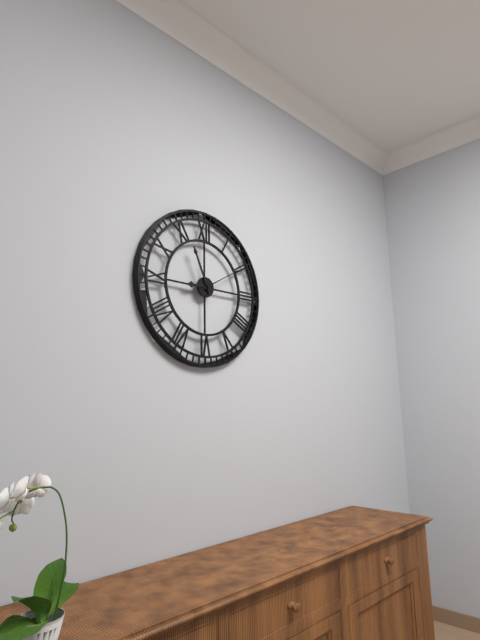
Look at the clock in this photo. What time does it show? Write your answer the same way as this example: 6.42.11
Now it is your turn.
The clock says 8.56.10
